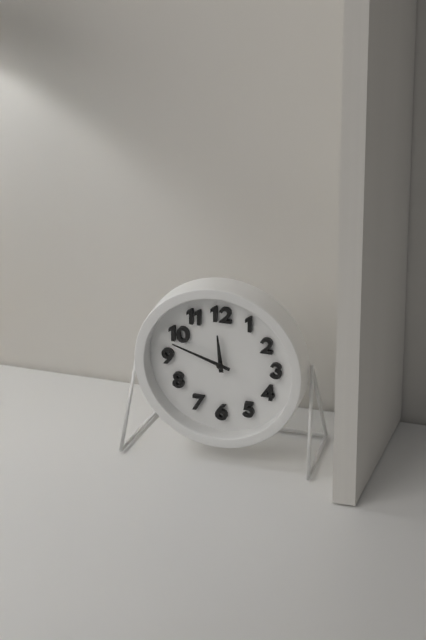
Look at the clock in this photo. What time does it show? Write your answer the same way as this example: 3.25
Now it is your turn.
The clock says 11.48
